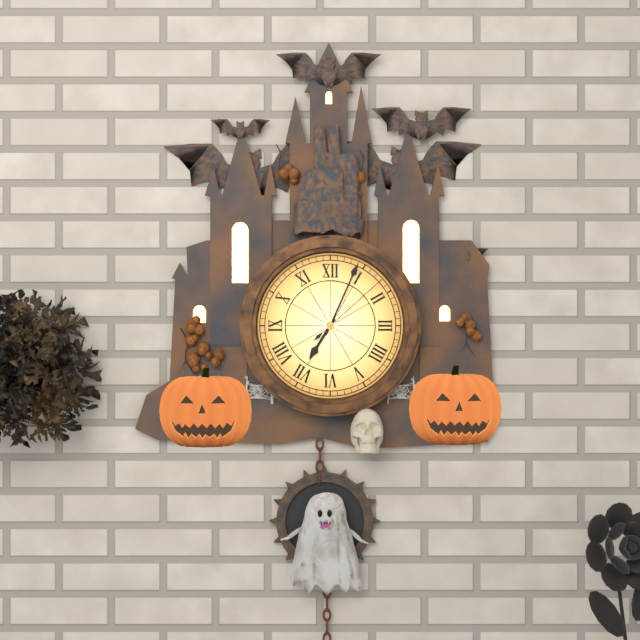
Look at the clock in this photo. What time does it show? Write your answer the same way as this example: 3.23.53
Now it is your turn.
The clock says 7.04.08
